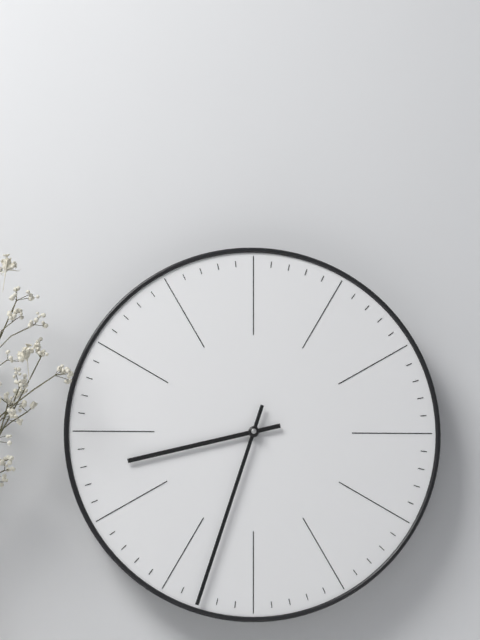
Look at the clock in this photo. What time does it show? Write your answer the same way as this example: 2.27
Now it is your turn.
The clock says 8.33
